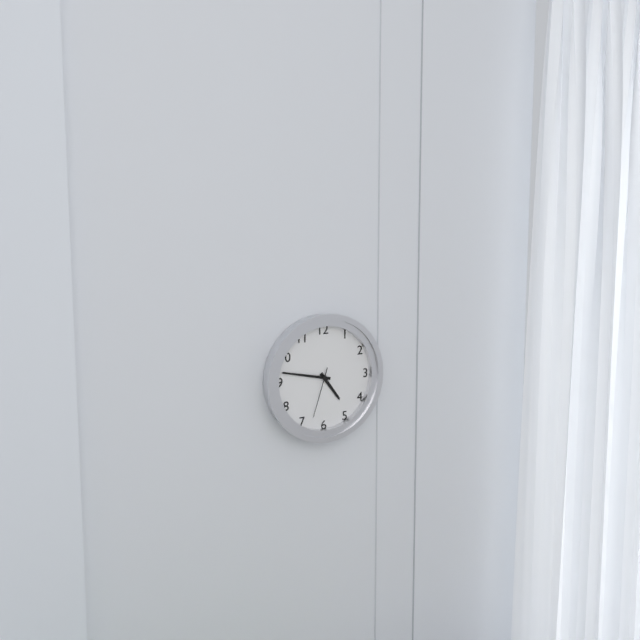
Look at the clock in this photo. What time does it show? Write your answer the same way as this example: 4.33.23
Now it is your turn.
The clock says 4.47.33
